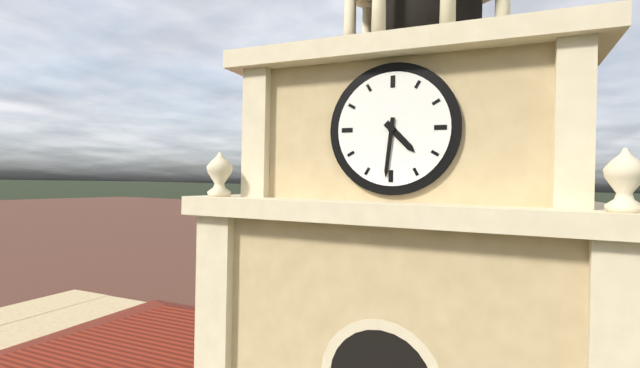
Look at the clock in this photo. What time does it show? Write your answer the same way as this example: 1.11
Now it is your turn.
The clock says 4.31
